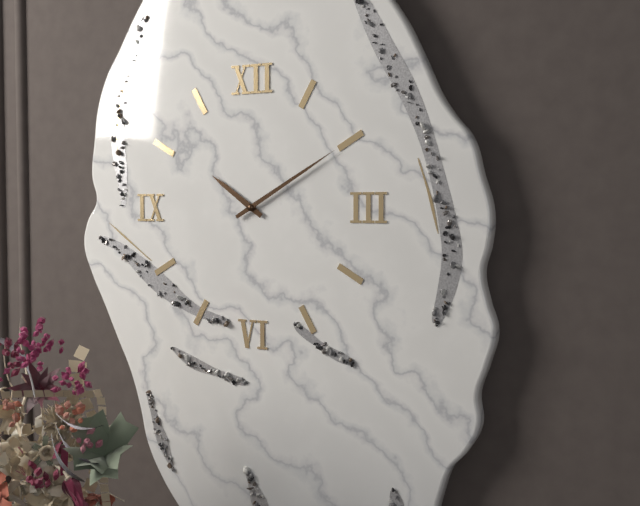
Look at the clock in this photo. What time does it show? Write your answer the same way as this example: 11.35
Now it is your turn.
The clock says 10.10
